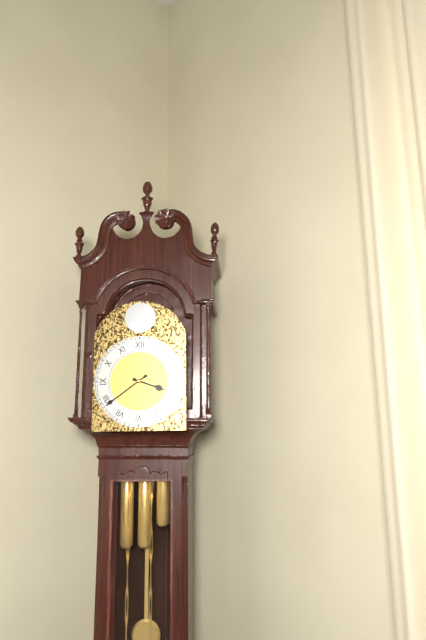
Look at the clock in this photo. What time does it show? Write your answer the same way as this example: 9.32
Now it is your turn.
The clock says 3.39
